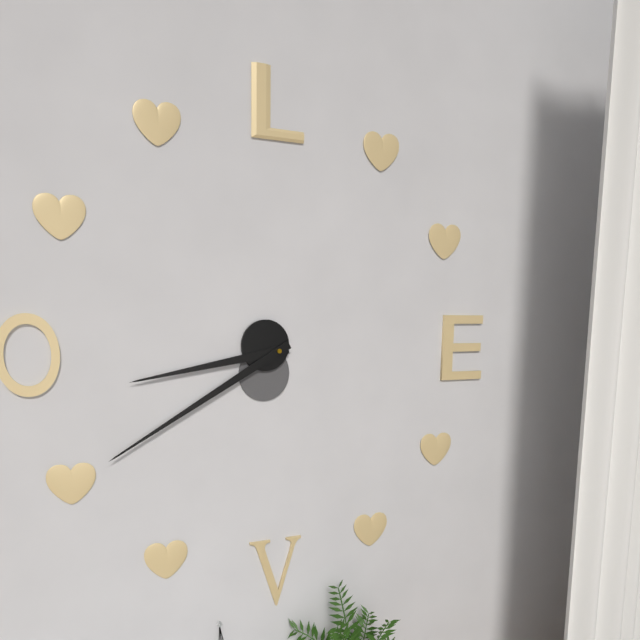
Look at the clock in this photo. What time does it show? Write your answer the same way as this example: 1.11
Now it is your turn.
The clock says 8.40
